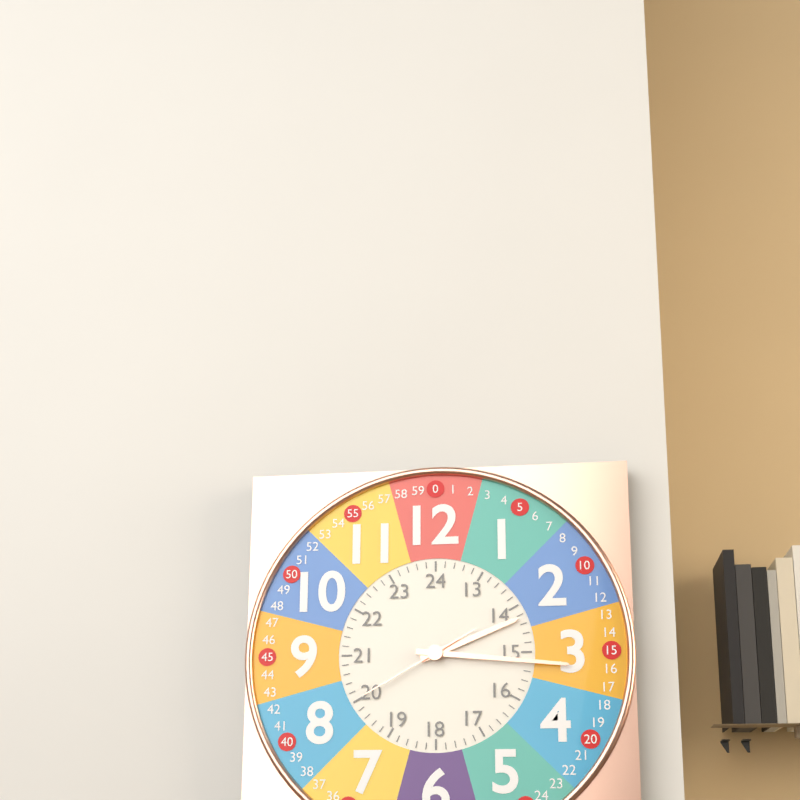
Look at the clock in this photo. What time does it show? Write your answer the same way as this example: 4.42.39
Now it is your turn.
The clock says 2.16.40
